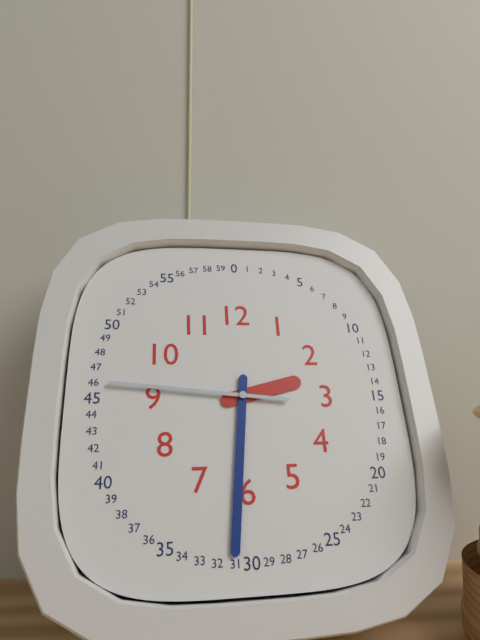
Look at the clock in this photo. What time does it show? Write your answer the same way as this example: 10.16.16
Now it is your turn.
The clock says 2.31.46
